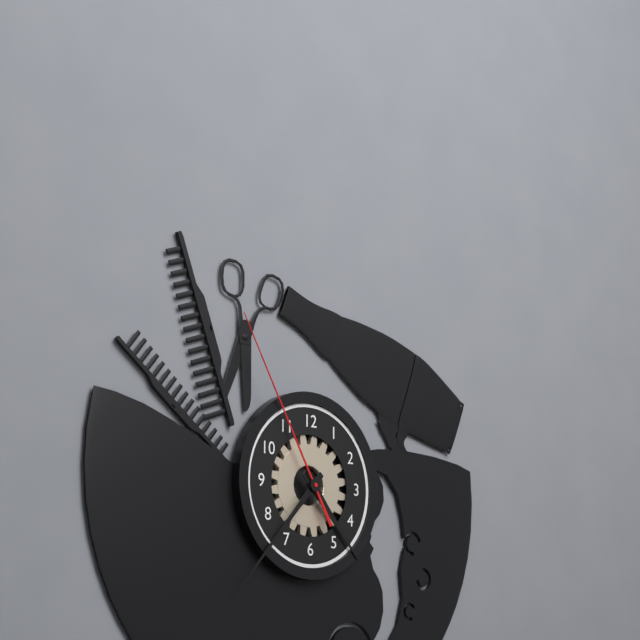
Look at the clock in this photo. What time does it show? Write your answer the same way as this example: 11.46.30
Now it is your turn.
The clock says 4.37.55
